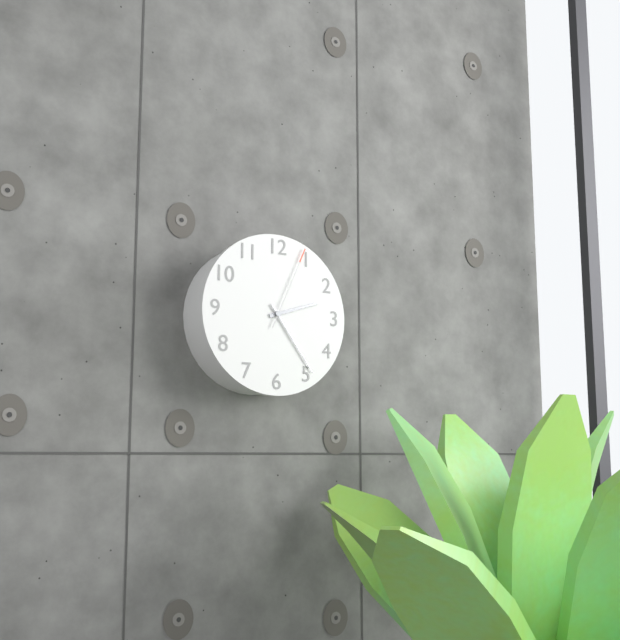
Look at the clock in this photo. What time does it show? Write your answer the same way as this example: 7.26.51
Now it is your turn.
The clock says 2.24.04
